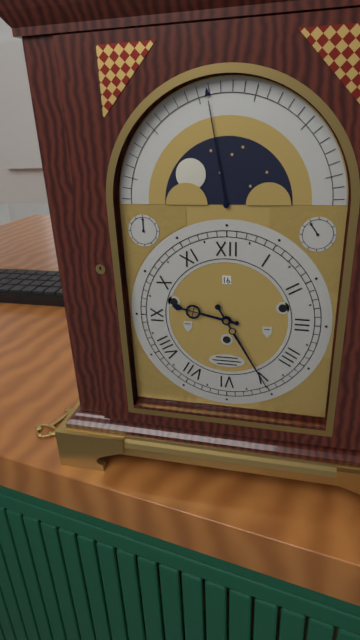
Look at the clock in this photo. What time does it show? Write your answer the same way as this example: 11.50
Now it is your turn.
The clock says 9.25
